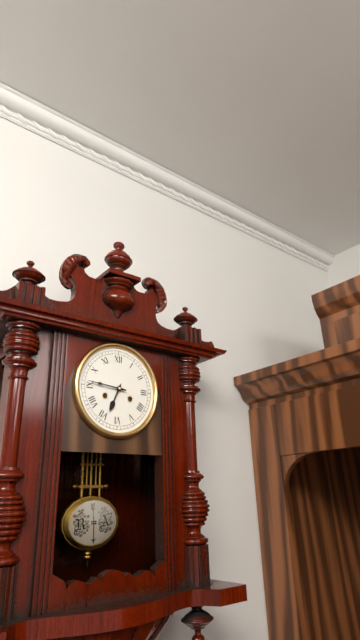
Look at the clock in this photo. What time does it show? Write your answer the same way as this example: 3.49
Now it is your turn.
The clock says 6.46
